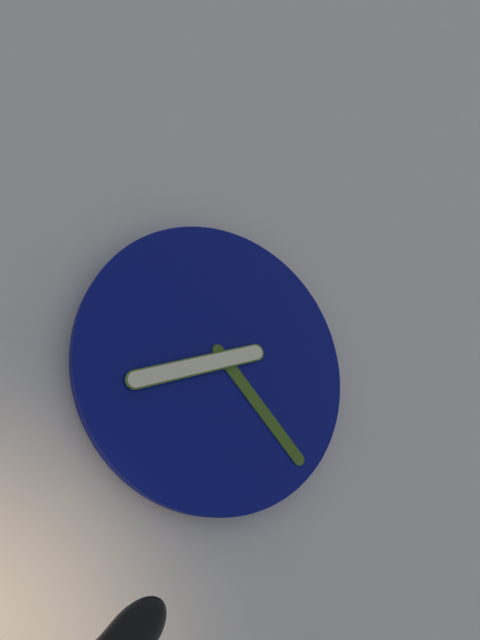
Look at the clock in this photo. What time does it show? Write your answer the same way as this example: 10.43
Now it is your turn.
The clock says 8.23
